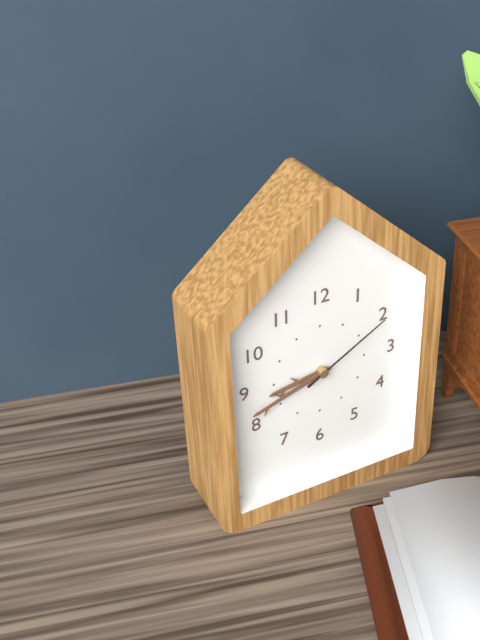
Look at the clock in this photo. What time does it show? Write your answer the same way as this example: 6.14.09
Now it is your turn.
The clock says 8.42.10
